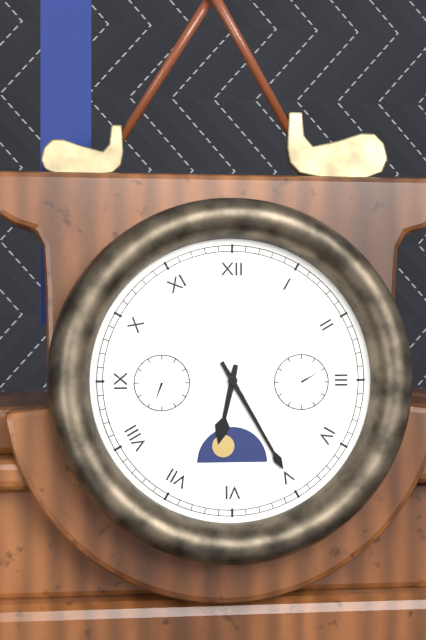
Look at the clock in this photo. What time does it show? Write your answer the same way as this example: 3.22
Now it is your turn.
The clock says 6.25
